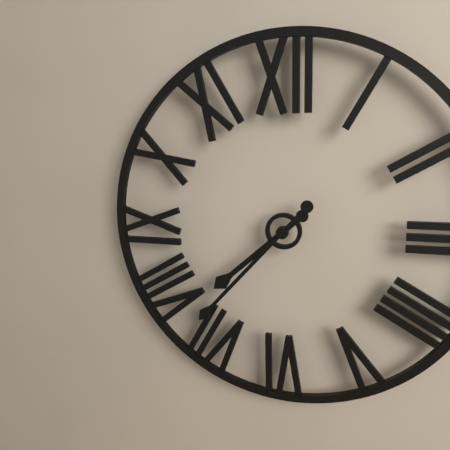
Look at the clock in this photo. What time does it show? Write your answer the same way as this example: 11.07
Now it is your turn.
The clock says 7.37
